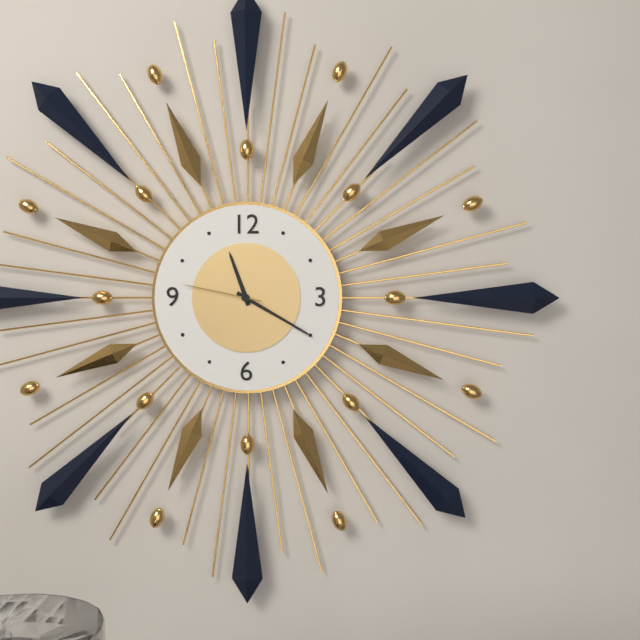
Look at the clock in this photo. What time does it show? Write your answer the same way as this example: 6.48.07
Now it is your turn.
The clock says 11.20.47
